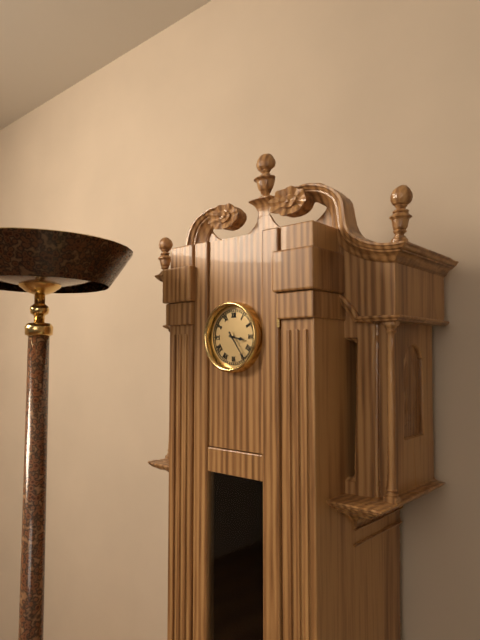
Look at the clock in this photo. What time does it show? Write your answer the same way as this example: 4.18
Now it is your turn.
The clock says 3.24
